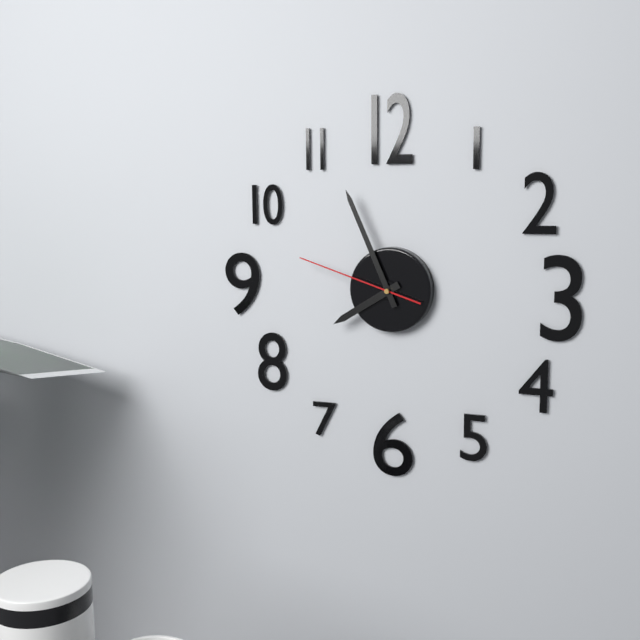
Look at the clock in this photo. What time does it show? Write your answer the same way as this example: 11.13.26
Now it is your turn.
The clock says 7.56.48
